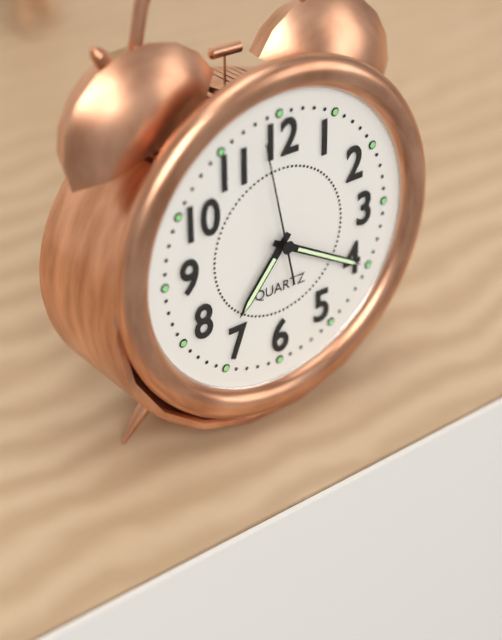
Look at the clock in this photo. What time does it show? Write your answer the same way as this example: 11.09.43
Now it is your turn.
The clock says 7.20.58
